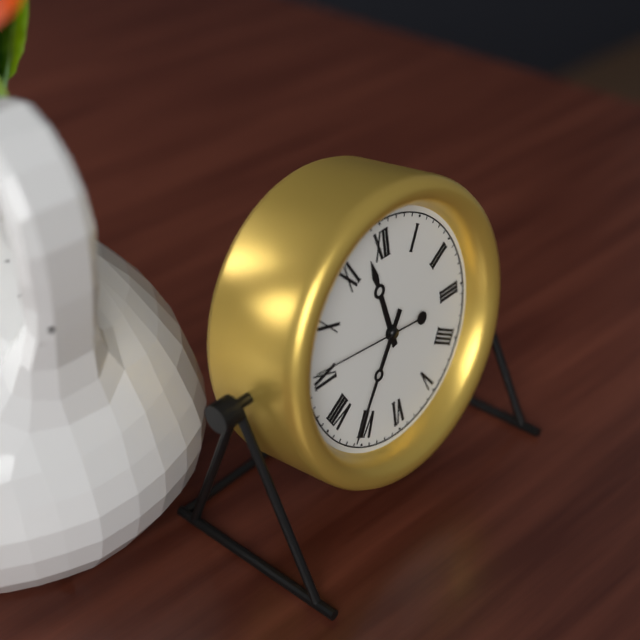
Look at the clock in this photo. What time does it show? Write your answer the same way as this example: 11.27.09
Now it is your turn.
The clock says 11.36.46
